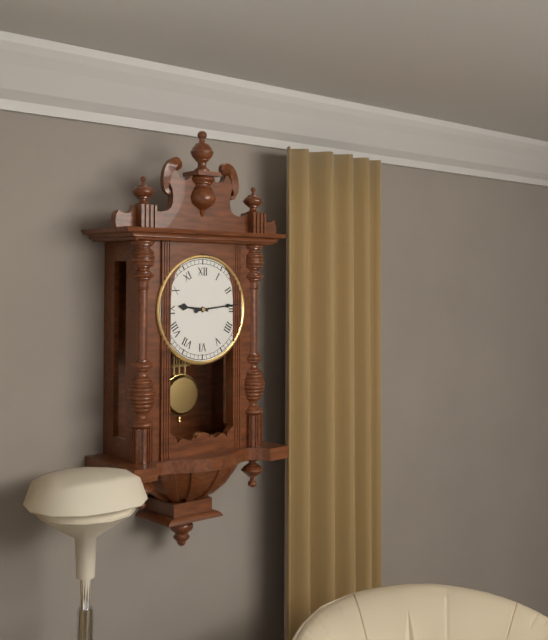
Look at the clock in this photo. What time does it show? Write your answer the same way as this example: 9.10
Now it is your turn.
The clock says 9.14
